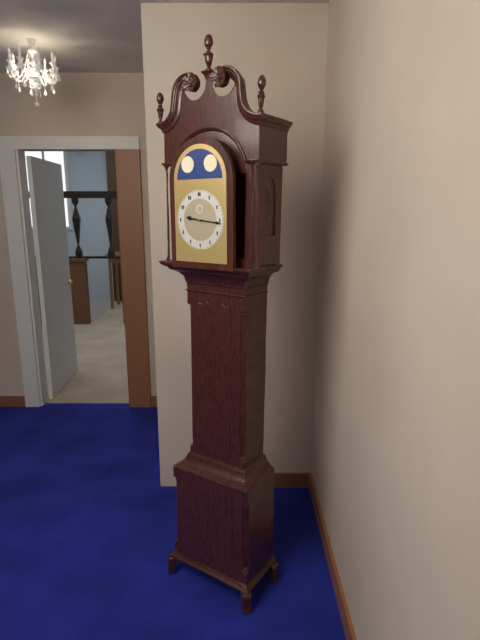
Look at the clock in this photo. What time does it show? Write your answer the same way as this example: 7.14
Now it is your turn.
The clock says 9.16
